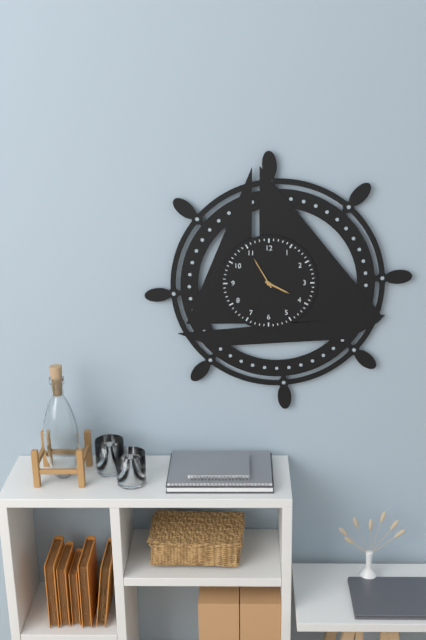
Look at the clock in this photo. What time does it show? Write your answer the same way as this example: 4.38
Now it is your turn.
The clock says 3.55
